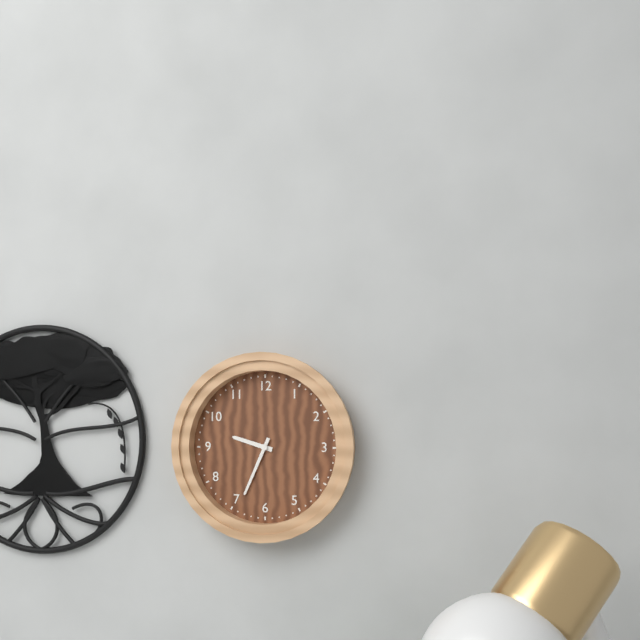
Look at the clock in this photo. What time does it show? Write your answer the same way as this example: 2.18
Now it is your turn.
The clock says 9.34
